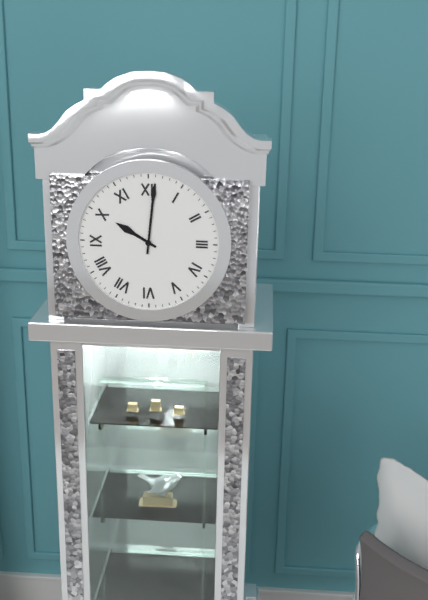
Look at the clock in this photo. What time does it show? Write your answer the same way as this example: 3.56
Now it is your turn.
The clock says 10.01
